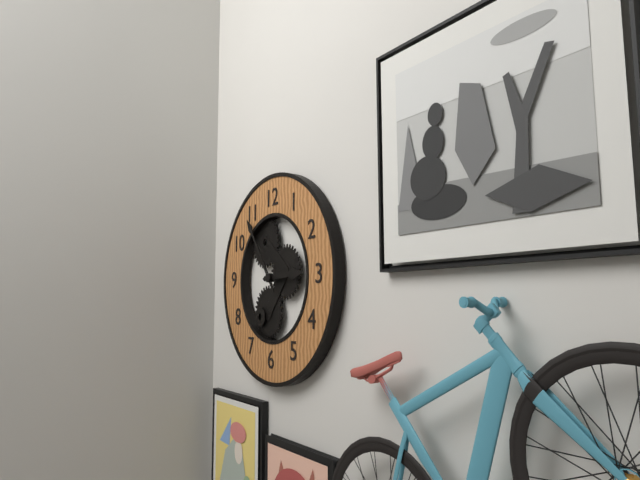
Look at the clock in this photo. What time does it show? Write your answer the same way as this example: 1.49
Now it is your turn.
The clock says 2.54
